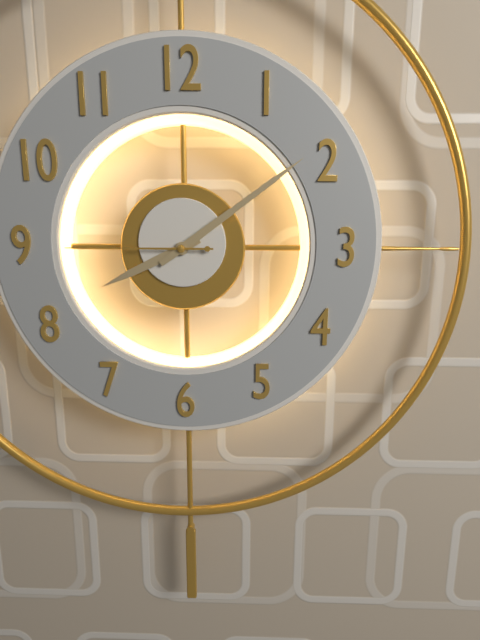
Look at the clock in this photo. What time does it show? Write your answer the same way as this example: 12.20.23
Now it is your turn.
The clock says 8.09.45
